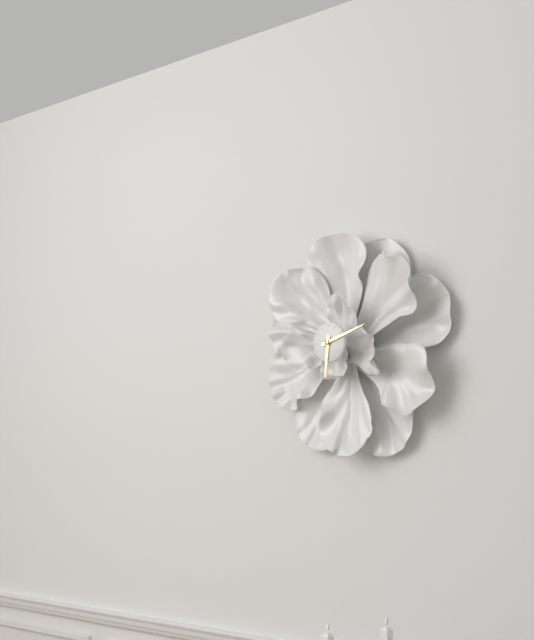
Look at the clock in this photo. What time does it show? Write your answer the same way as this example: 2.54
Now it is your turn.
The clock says 6.12
